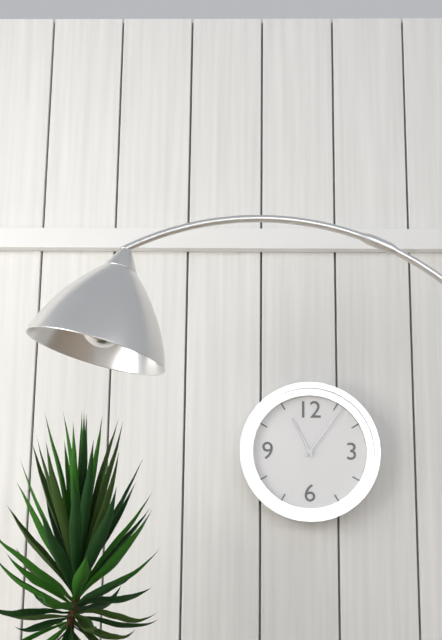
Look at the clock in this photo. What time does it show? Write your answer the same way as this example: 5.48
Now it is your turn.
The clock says 11.06
